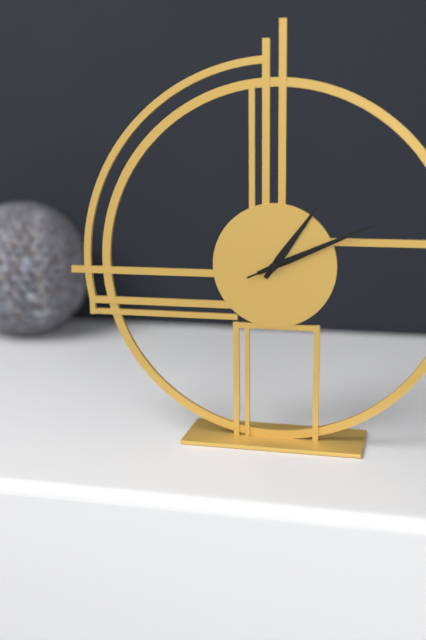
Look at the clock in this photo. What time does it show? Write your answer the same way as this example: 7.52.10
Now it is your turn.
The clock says 1.11.11
